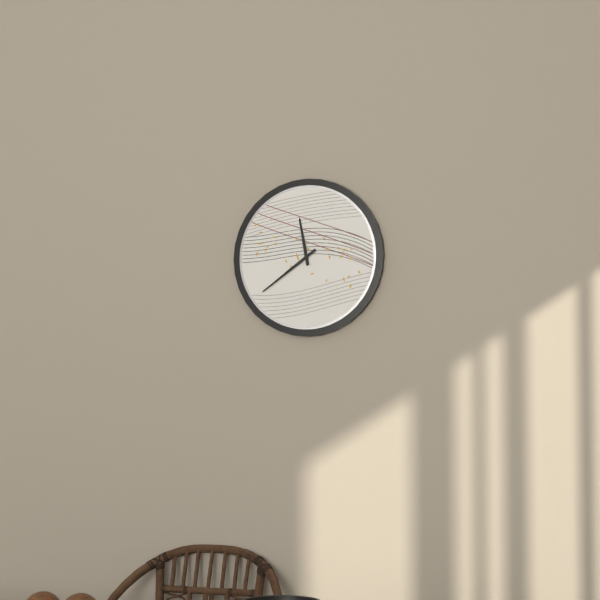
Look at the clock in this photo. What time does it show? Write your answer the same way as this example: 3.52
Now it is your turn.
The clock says 11.39
